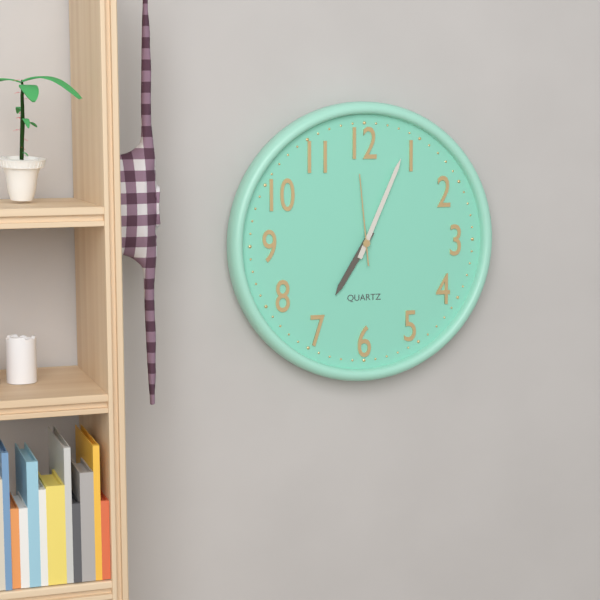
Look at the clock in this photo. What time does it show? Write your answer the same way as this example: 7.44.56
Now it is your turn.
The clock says 7.04.59
